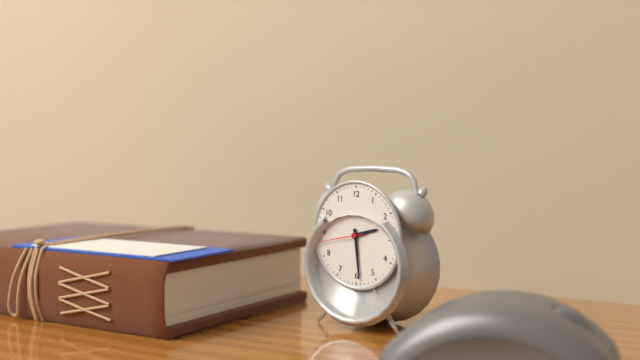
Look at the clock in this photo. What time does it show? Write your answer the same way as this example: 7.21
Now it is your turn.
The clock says 2.29
